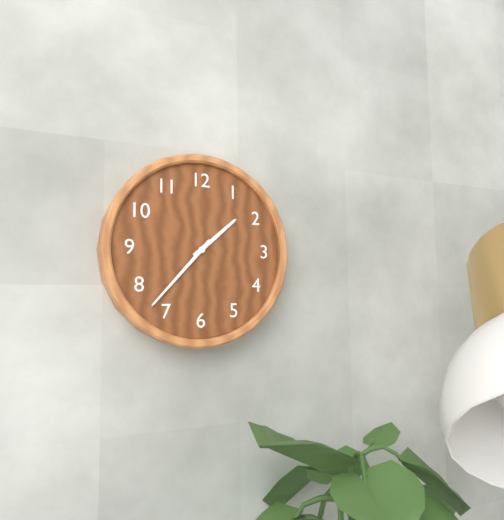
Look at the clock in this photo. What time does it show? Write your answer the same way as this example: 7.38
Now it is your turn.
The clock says 1.37
